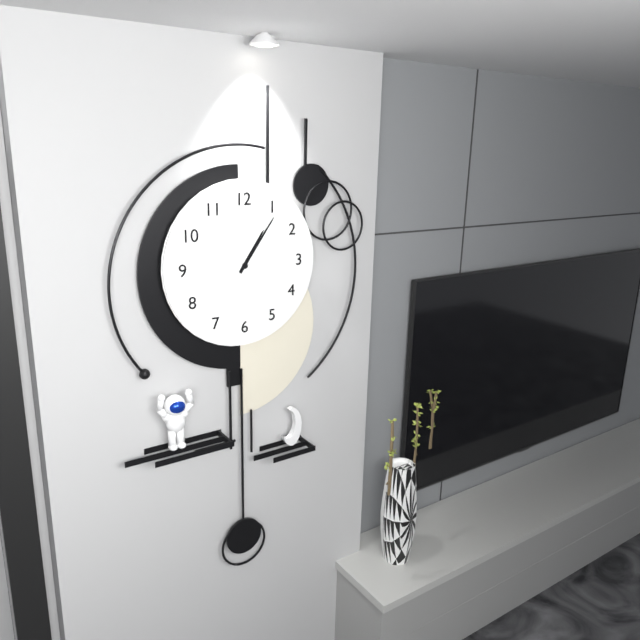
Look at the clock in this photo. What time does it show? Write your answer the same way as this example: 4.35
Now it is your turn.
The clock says 1.06
